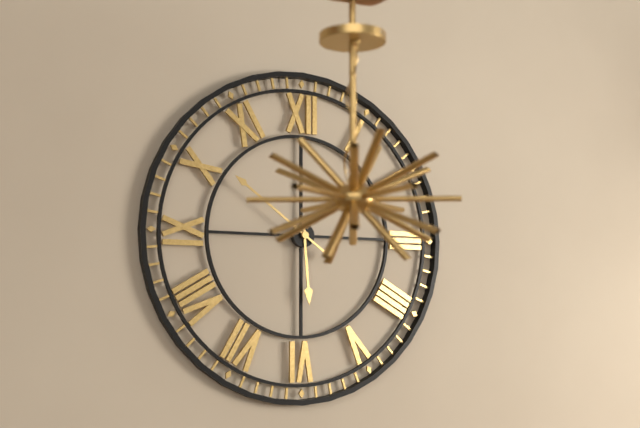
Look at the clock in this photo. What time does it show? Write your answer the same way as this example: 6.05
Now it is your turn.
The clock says 5.51
